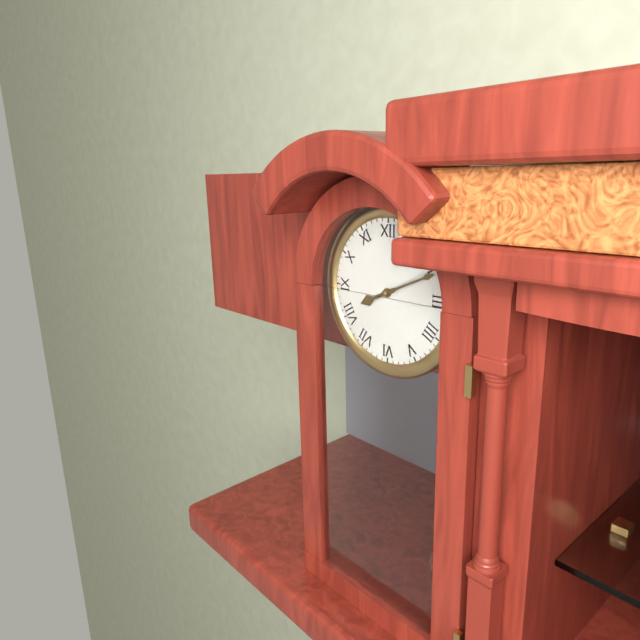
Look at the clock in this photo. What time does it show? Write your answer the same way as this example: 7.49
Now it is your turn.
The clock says 8.11
